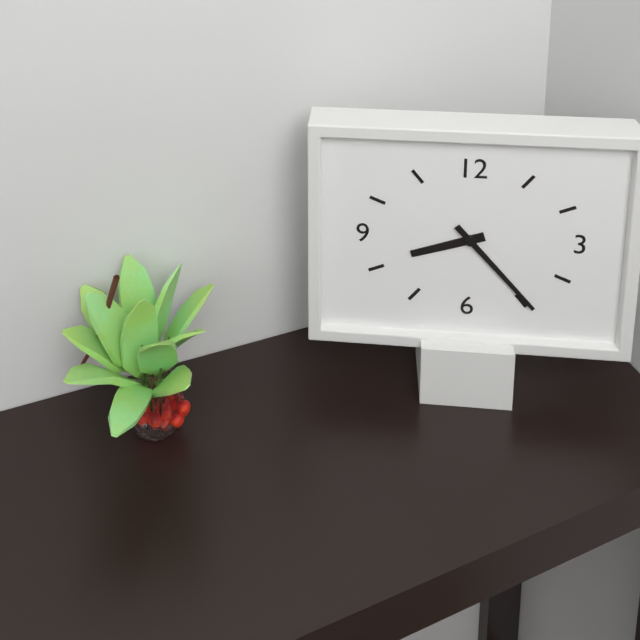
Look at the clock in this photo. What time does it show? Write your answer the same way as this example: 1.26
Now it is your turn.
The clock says 8.23
